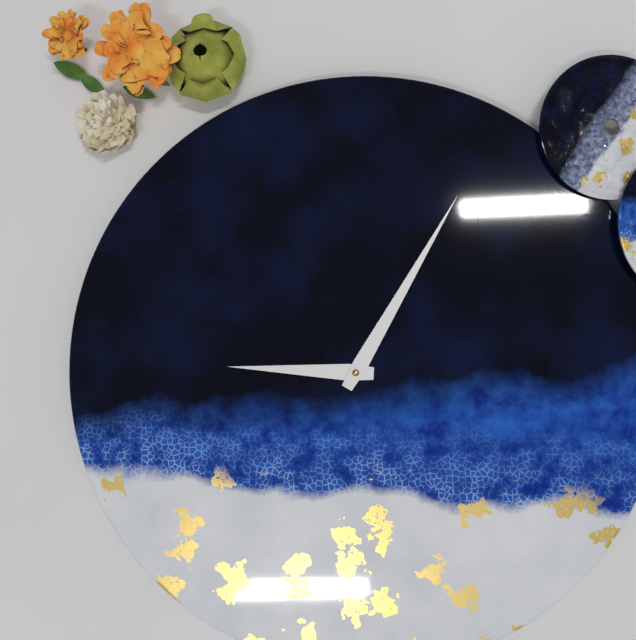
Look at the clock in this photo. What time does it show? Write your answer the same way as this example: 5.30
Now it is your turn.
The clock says 9.05
